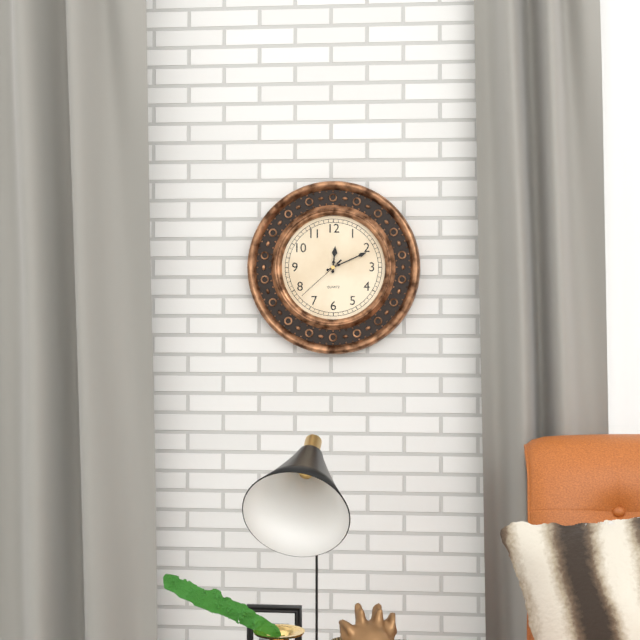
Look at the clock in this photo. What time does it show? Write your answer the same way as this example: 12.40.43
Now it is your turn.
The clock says 12.11.38
